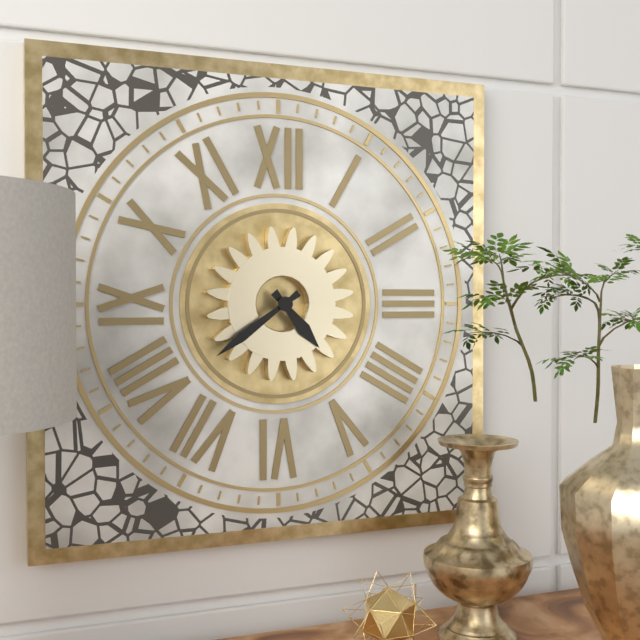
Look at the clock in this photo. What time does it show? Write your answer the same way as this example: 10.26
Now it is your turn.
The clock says 4.39
